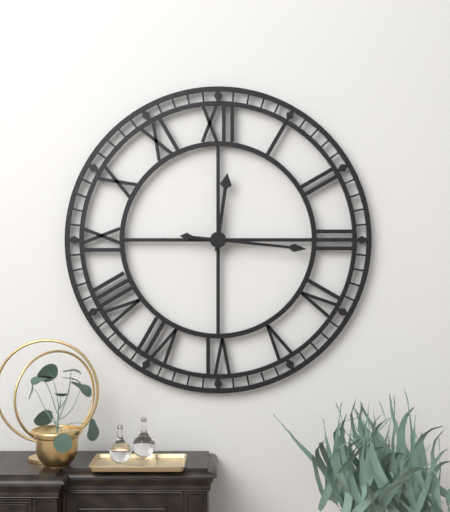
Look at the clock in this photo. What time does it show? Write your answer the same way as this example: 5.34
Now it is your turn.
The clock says 12.16
